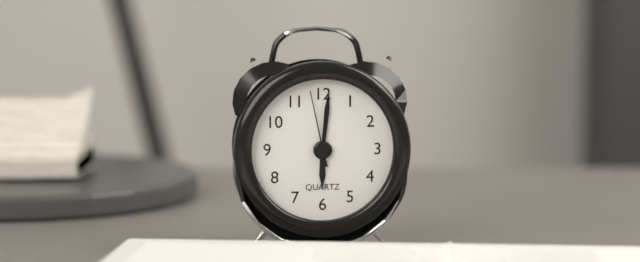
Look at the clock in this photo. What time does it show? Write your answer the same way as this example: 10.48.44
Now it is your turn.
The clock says 6.01.58
